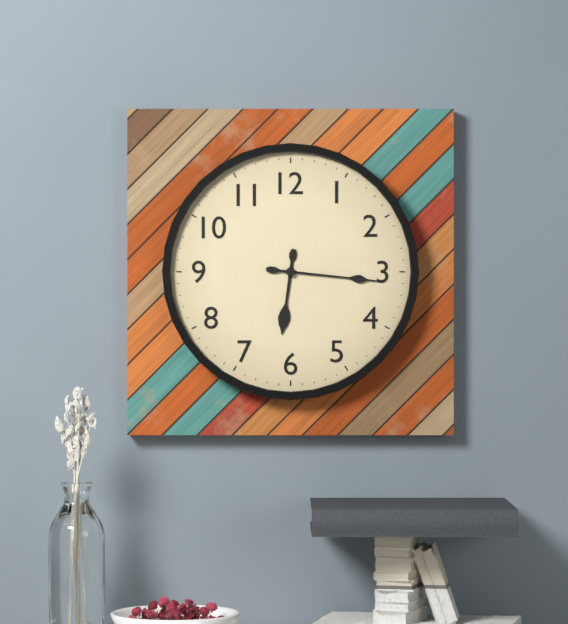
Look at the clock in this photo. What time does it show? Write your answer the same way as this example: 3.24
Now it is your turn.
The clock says 6.16
